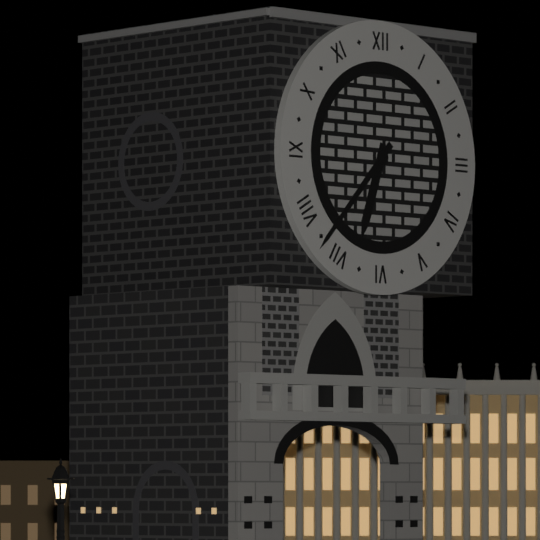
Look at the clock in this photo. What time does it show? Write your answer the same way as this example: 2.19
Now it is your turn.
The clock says 6.37
